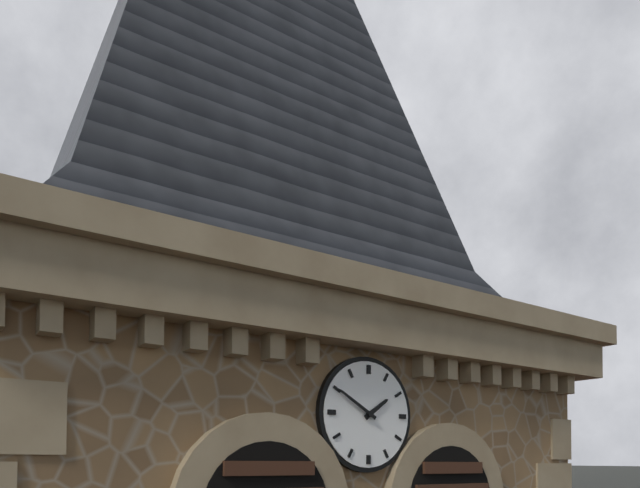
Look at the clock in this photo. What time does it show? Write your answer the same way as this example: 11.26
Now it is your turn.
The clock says 1.50
